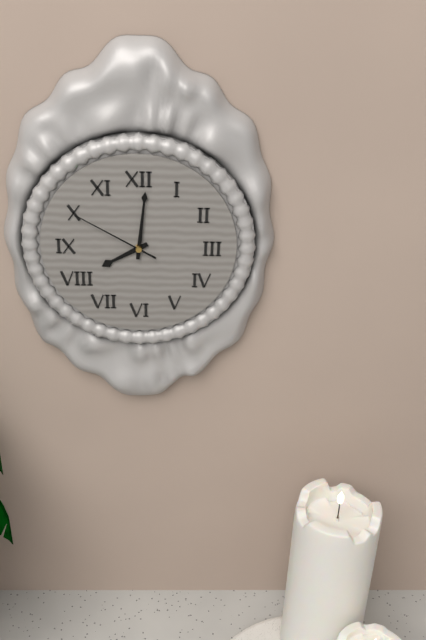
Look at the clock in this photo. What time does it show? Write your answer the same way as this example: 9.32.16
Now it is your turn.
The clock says 8.01.50
